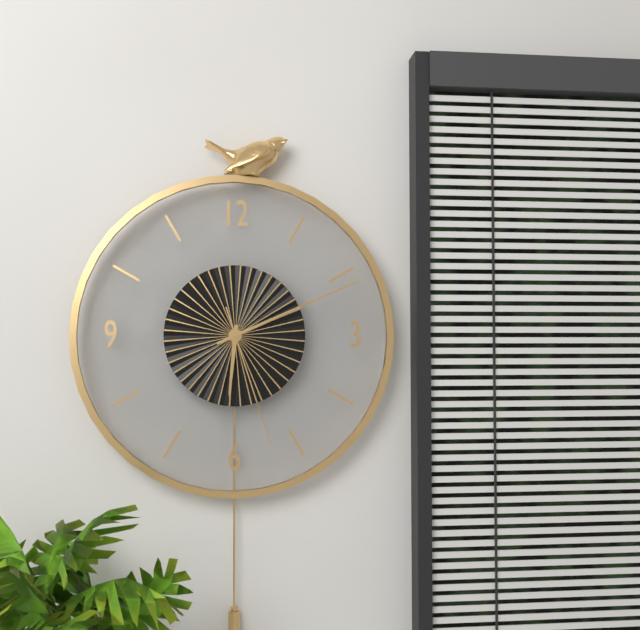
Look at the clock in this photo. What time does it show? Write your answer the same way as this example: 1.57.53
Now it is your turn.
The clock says 6.11.27
